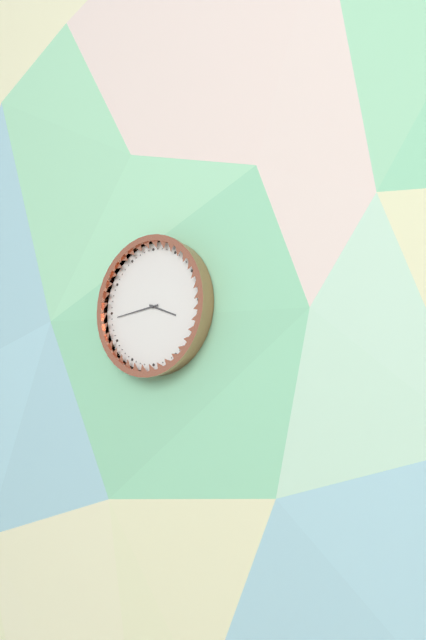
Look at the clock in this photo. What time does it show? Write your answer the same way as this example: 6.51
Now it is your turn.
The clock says 3.44
